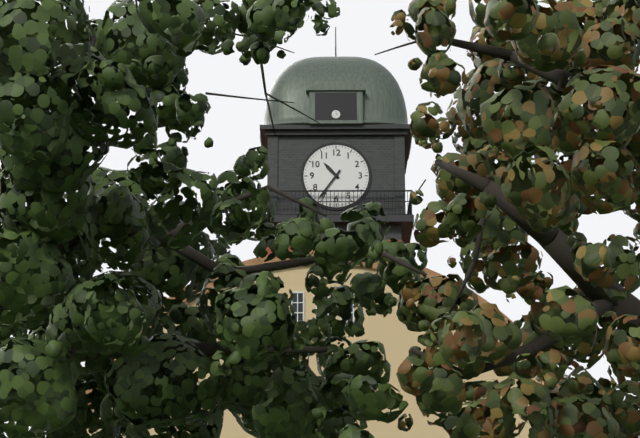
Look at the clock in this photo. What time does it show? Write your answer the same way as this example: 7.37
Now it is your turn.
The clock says 10.36
